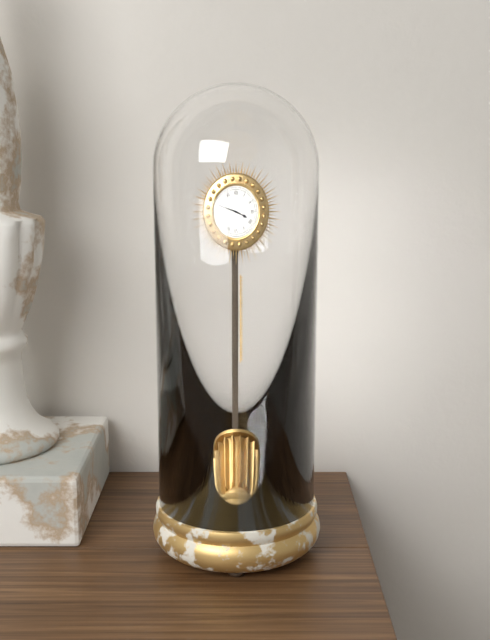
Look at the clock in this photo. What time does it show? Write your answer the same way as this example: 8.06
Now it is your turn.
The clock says 3.48
